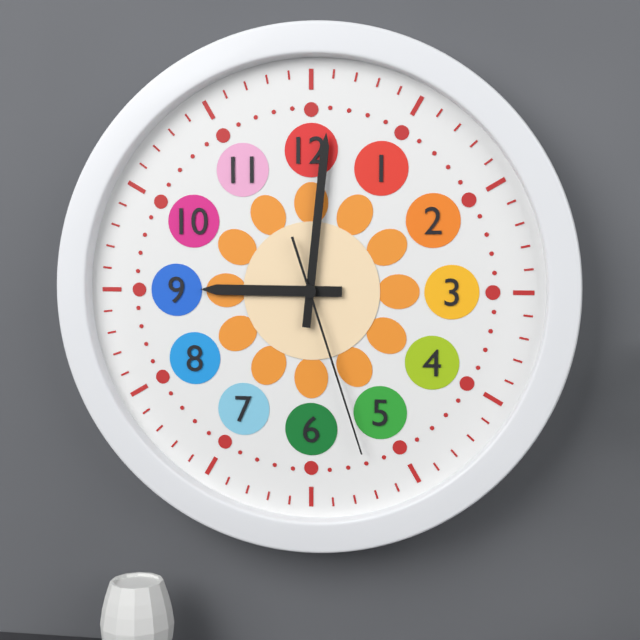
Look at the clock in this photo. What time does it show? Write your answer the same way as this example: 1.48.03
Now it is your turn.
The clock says 9.01.27
